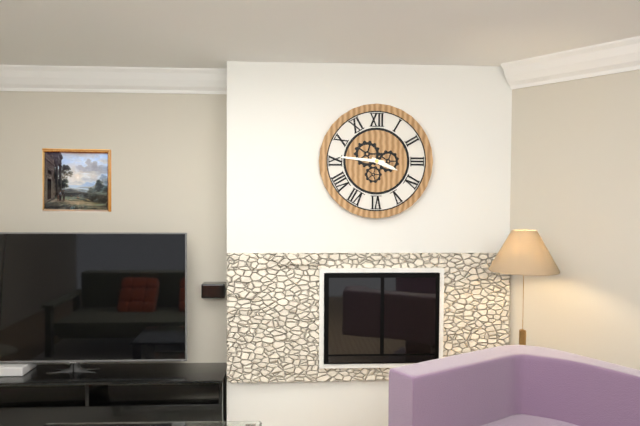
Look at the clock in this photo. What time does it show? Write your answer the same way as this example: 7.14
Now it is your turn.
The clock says 3.46
